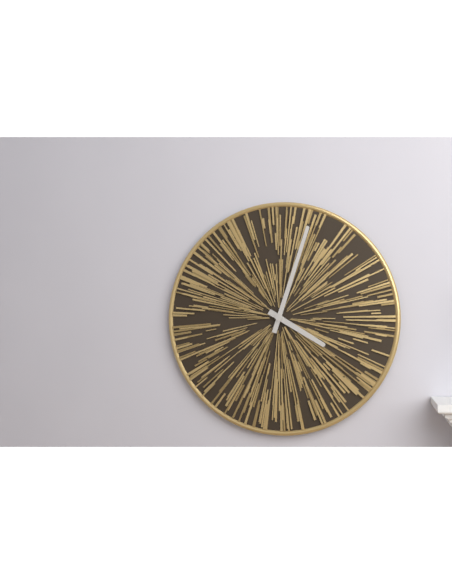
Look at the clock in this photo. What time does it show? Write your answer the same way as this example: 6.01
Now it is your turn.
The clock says 4.03
